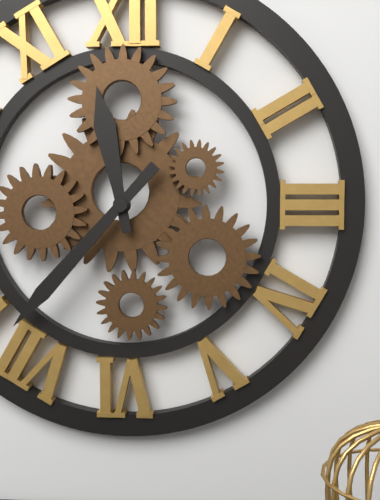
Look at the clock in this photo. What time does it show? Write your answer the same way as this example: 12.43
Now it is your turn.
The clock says 11.37
